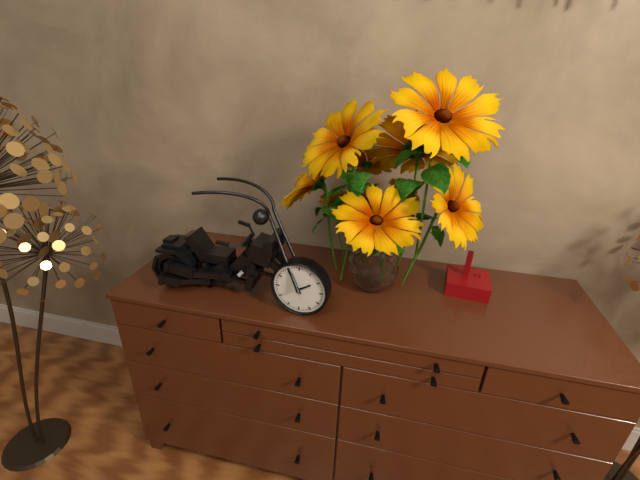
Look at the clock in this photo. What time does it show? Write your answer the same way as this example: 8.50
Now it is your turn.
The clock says 1.55
